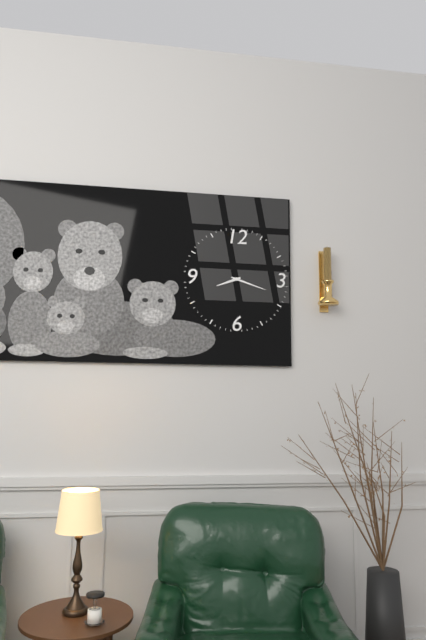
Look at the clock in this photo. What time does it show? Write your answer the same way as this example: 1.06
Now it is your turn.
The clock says 8.18
